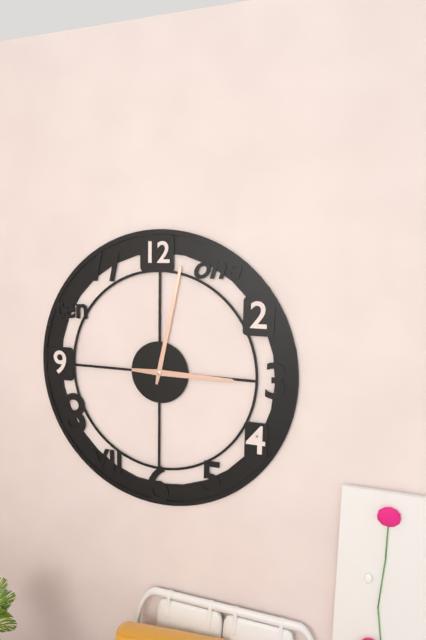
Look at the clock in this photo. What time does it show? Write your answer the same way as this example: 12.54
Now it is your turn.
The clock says 3.02
